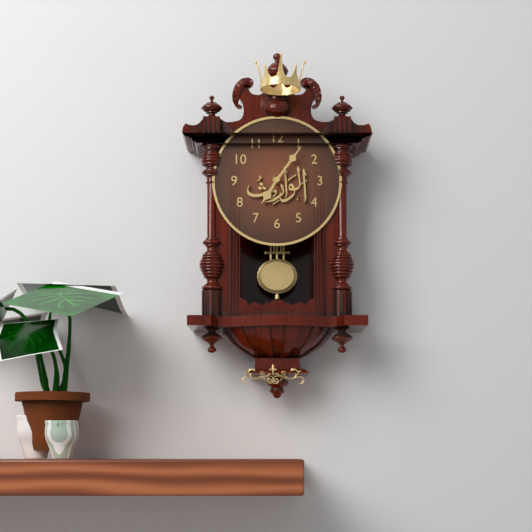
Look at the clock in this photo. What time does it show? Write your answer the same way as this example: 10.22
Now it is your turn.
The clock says 7.06
